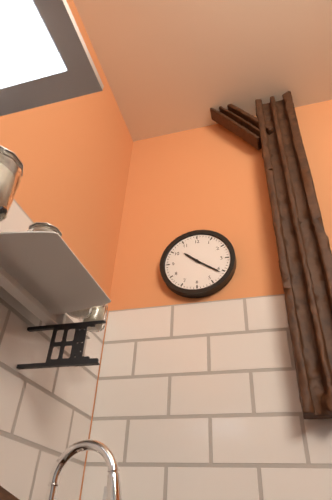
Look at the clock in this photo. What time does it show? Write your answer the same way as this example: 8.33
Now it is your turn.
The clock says 10.21
